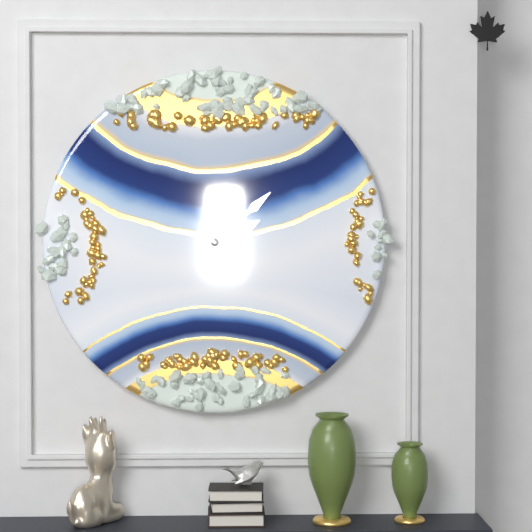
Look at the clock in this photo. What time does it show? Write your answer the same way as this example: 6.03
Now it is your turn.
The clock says 2.08
